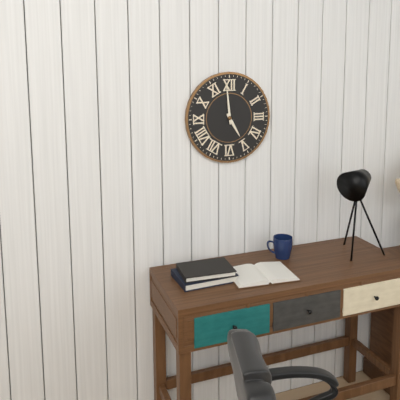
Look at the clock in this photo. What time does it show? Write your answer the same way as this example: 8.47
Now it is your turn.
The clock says 4.59
